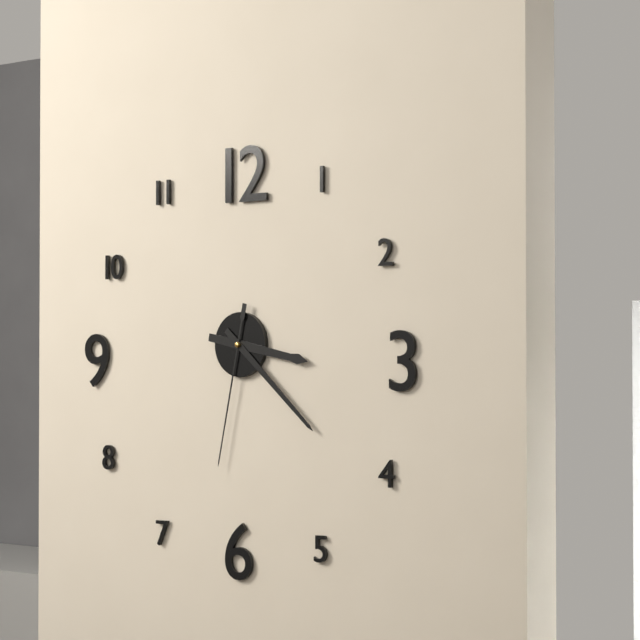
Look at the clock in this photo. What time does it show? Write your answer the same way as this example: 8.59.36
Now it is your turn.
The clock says 3.22.32
